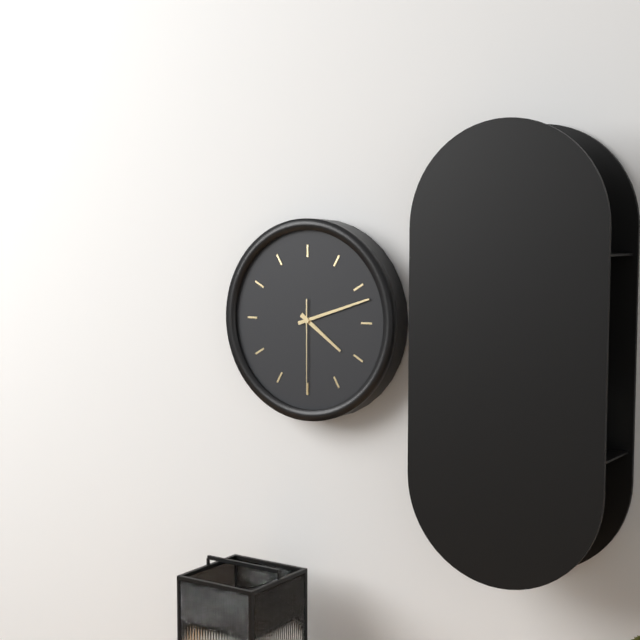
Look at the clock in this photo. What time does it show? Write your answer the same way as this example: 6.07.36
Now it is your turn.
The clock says 4.12.30
